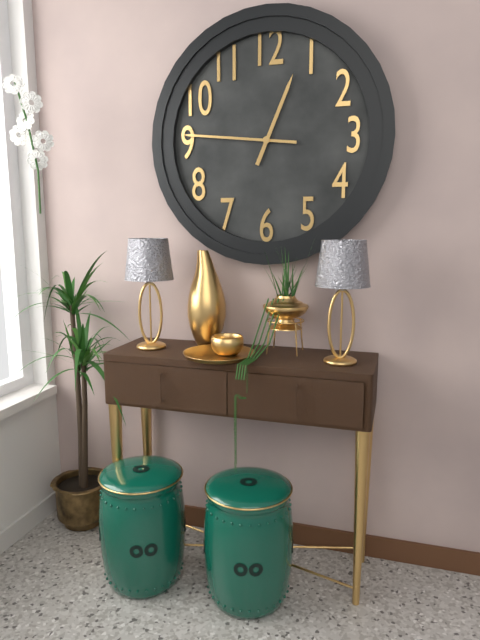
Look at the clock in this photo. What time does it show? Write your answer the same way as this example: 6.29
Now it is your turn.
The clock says 12.46
